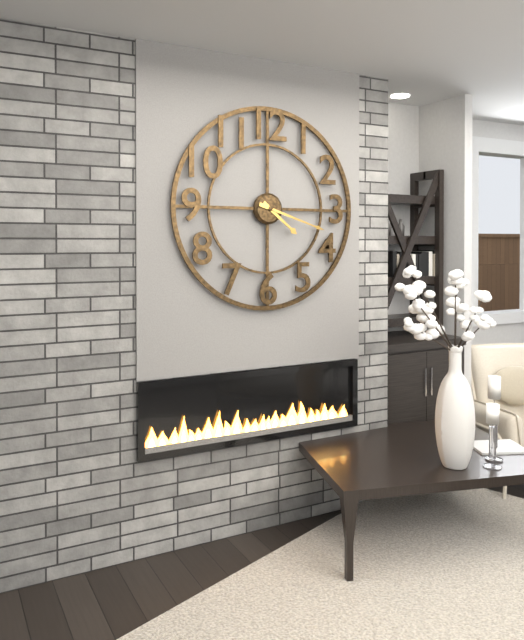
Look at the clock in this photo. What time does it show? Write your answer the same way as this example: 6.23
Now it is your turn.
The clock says 4.18
